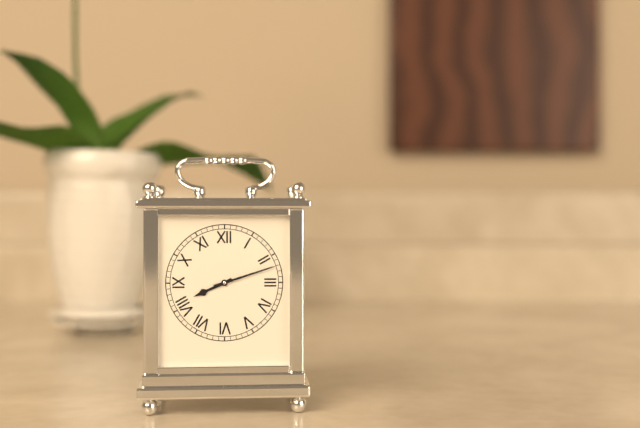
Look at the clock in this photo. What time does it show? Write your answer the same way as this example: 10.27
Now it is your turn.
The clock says 8.12
